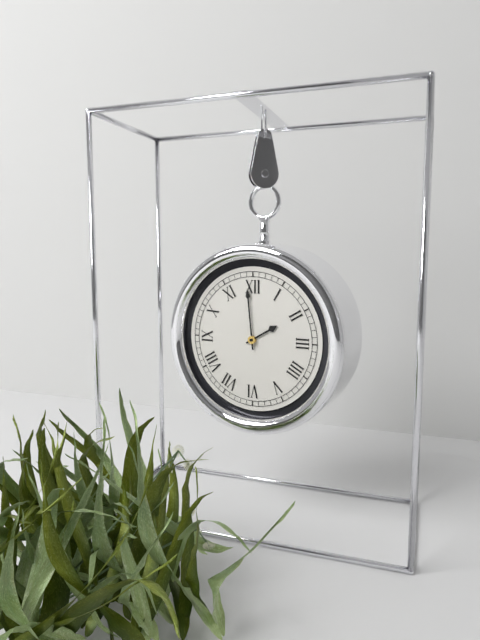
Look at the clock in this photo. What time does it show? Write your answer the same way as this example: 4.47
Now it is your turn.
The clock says 1.59
